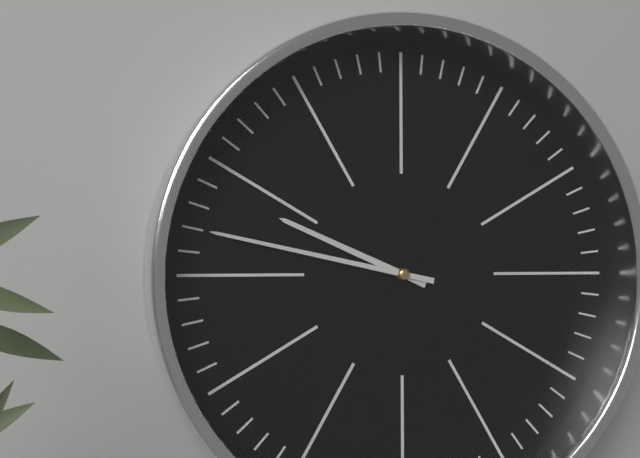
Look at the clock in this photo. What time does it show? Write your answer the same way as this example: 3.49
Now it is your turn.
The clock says 9.47
